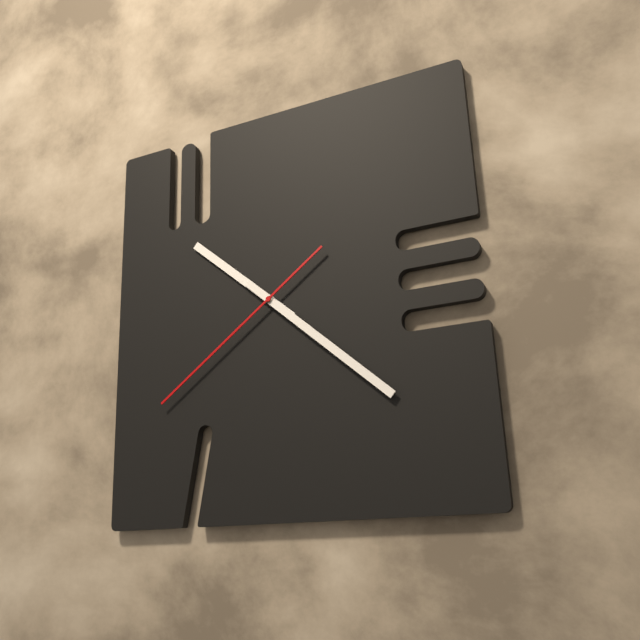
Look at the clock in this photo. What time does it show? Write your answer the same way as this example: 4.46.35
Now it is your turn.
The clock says 10.22.39
